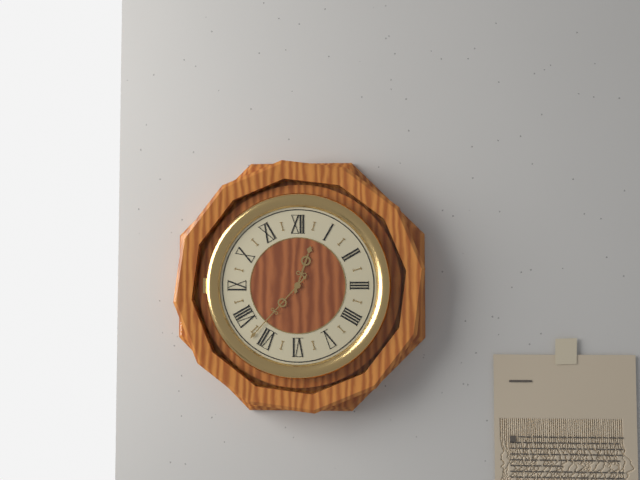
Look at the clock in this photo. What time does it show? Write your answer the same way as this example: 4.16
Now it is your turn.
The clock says 12.37
